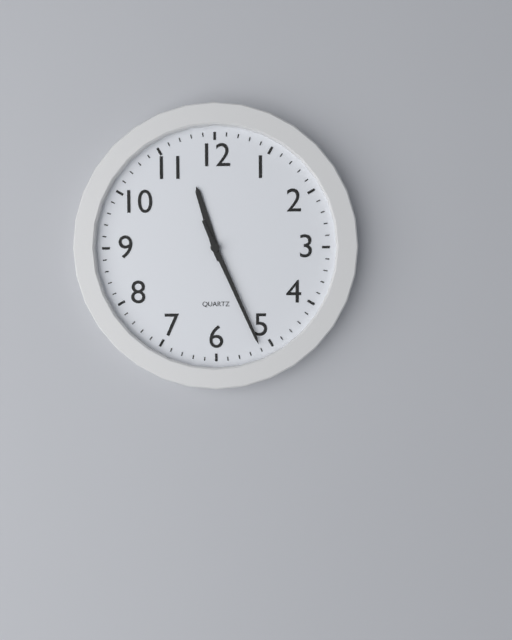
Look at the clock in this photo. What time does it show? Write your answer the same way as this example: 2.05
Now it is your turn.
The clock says 11.26
